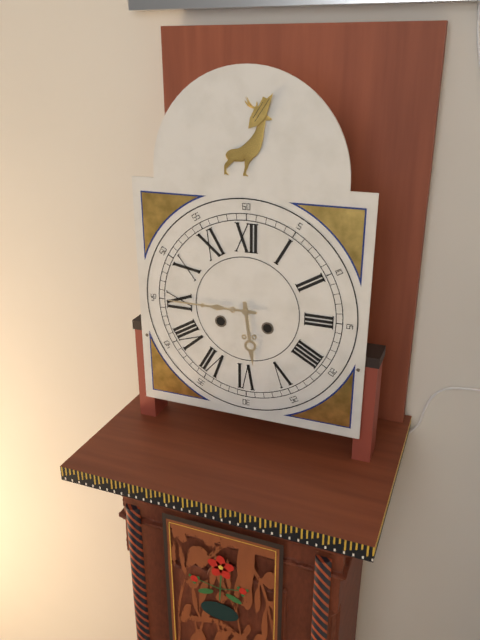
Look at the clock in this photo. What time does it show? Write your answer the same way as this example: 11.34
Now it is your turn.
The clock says 5.45
